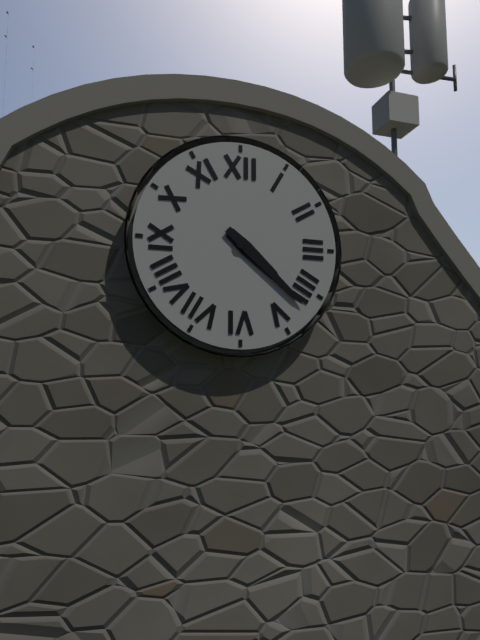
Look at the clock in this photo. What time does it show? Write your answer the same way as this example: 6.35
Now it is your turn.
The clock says 4.22
